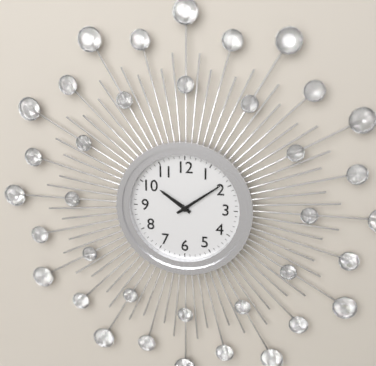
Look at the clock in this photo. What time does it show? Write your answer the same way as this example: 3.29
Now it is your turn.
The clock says 10.09
